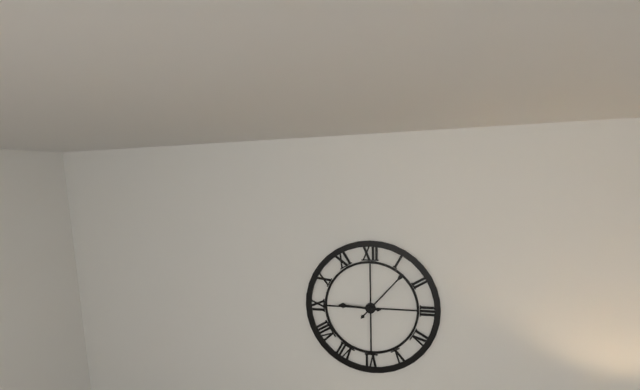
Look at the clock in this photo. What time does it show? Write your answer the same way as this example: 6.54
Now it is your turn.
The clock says 9.07
